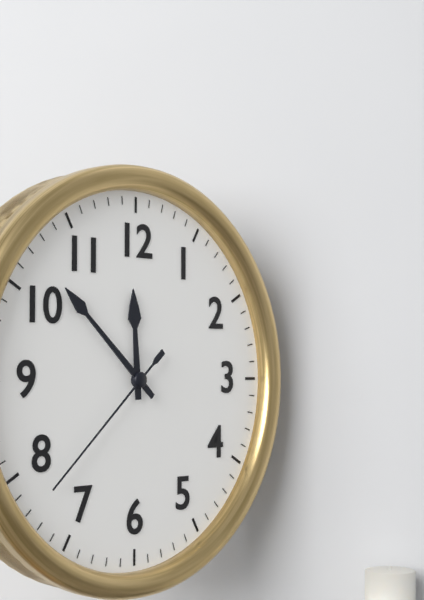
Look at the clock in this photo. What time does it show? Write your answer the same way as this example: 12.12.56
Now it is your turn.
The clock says 11.52.38
